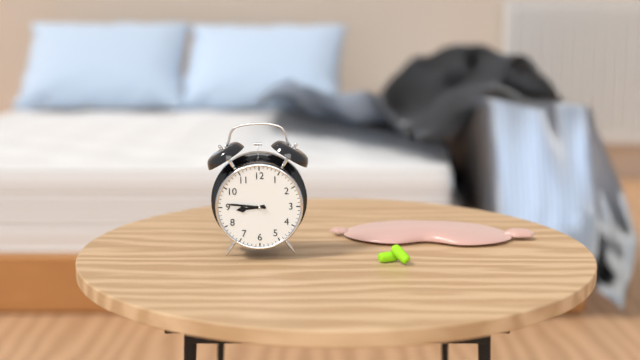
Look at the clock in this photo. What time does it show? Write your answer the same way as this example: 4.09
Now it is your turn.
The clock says 8.46
